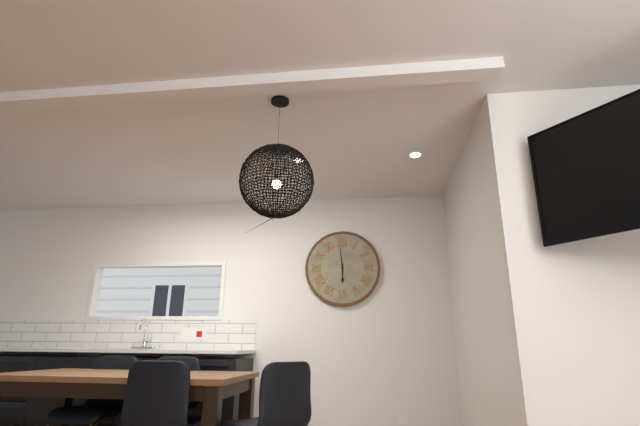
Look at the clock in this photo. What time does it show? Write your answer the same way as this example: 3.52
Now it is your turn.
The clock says 5.59
